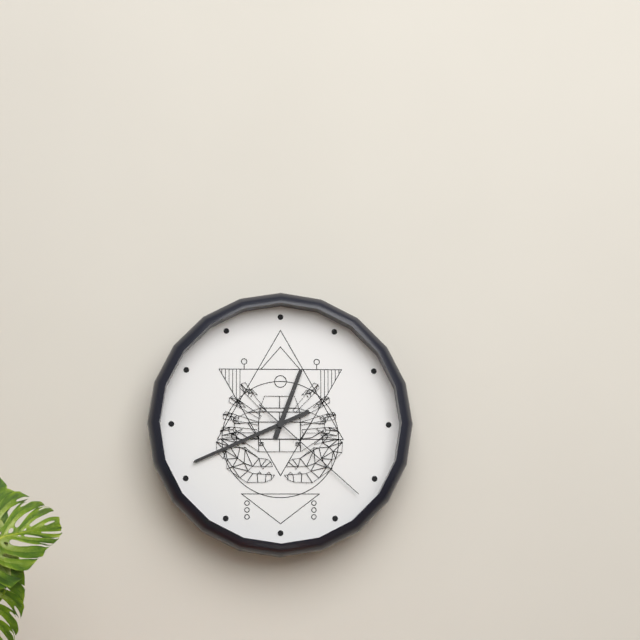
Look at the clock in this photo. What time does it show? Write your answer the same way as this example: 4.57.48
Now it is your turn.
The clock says 12.41.22
